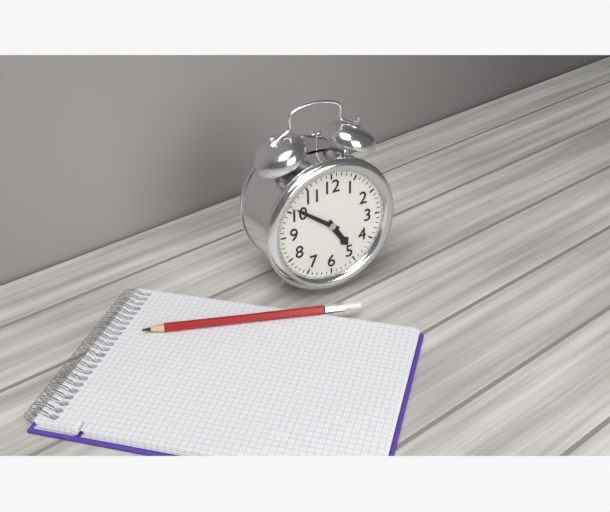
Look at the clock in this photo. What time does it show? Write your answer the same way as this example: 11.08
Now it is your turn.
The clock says 4.51
